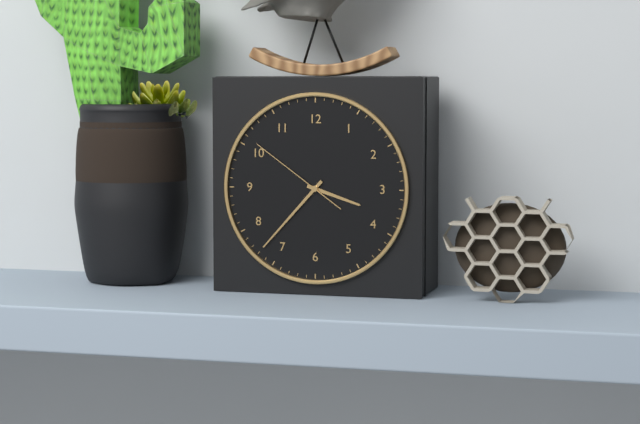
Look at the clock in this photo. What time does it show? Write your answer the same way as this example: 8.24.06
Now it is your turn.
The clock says 3.37.51
